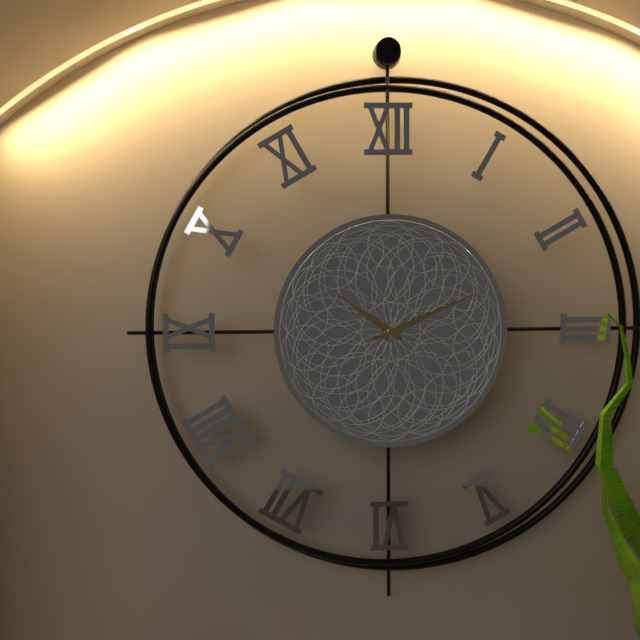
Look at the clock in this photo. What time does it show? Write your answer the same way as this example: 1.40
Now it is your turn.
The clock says 10.11
